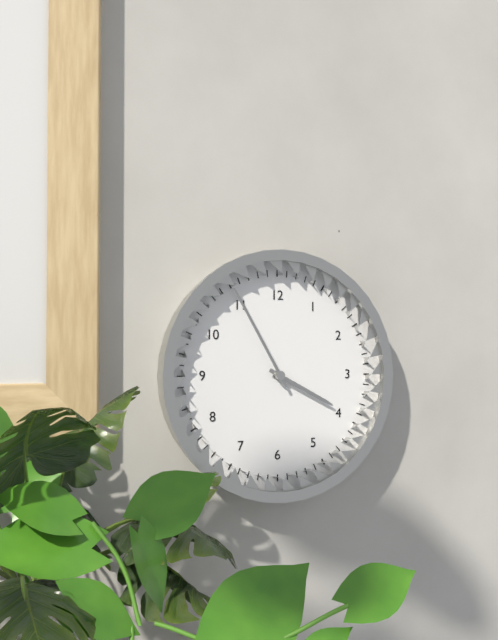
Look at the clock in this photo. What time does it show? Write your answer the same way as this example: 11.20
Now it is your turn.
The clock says 3.55
